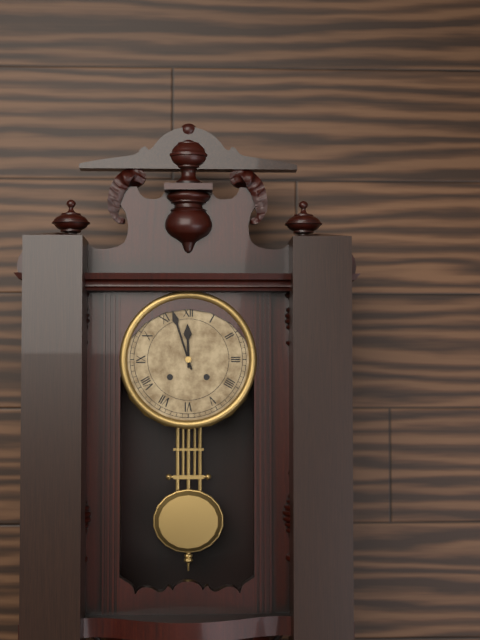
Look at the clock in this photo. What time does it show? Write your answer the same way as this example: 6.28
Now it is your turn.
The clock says 11.57
